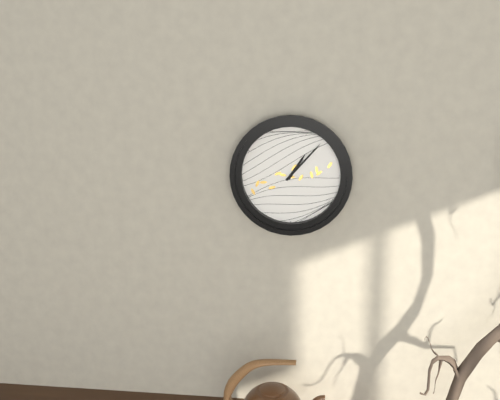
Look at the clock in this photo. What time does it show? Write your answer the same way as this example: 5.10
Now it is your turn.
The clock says 1.07
